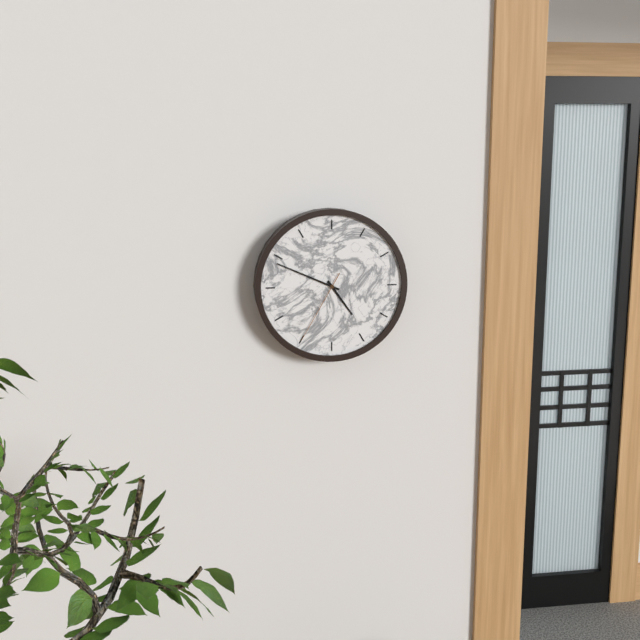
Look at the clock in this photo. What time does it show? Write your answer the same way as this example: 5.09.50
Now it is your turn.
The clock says 4.49.35
